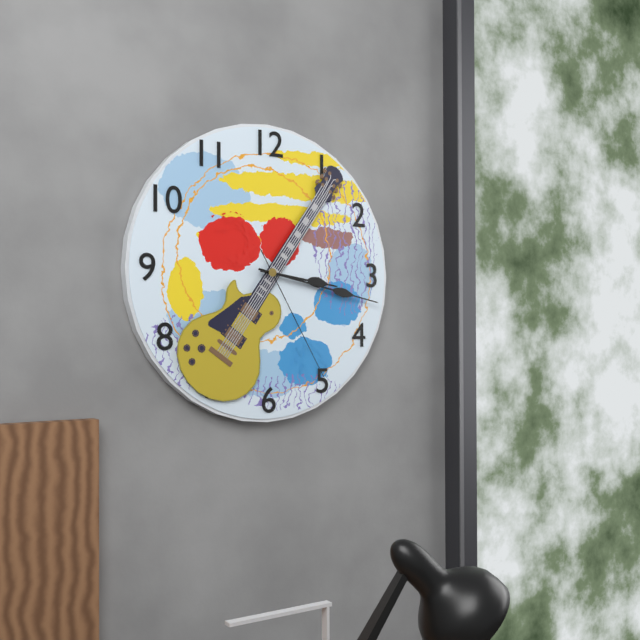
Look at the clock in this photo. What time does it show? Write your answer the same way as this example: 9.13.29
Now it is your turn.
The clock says 3.17.25
